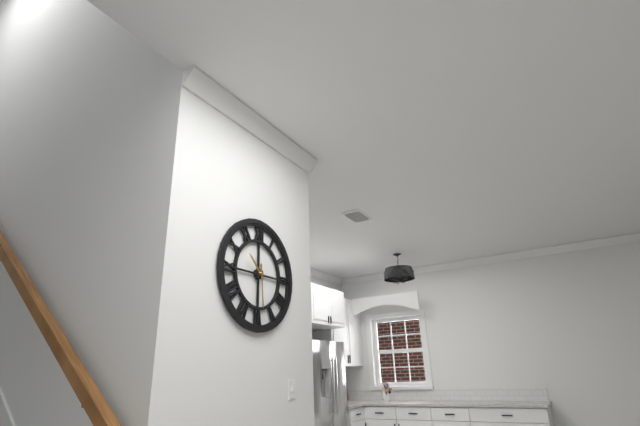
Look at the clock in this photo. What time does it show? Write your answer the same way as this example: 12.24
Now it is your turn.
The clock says 10.29
